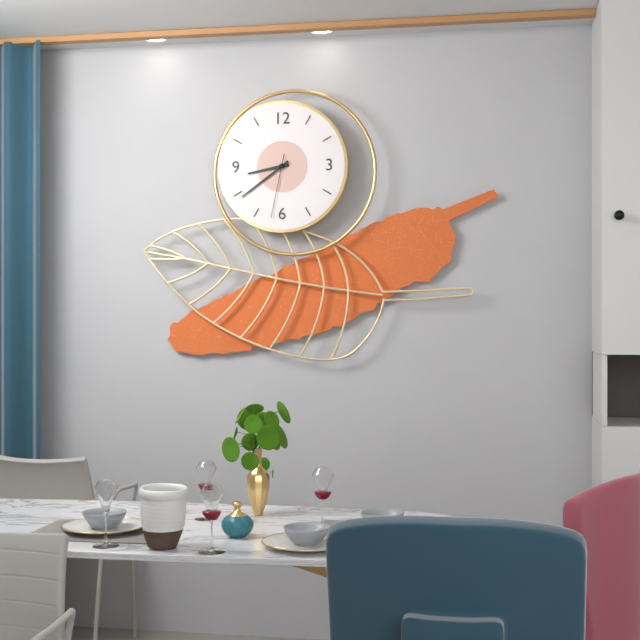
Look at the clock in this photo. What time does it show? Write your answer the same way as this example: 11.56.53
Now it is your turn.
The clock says 8.39.32
